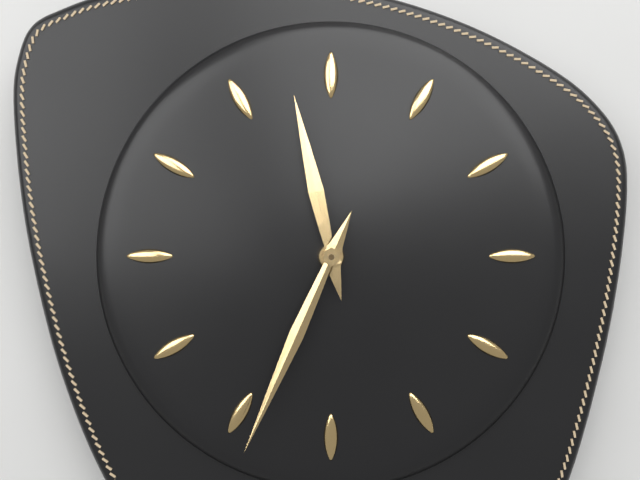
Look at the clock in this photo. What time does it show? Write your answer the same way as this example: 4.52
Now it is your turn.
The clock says 11.34
